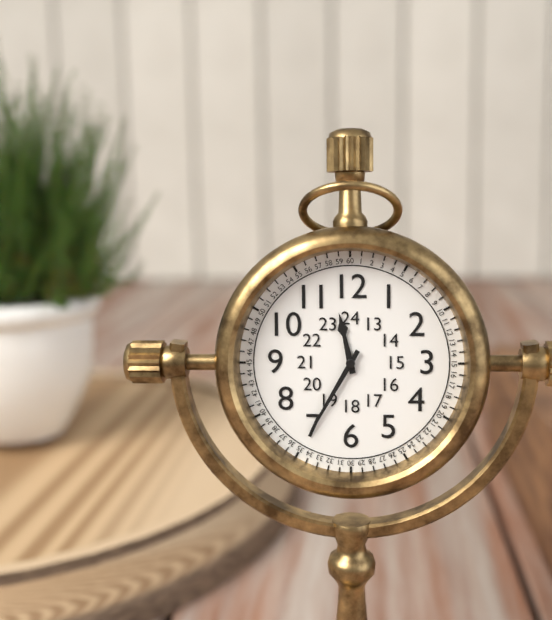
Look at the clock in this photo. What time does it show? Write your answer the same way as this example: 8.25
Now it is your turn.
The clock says 11.35
